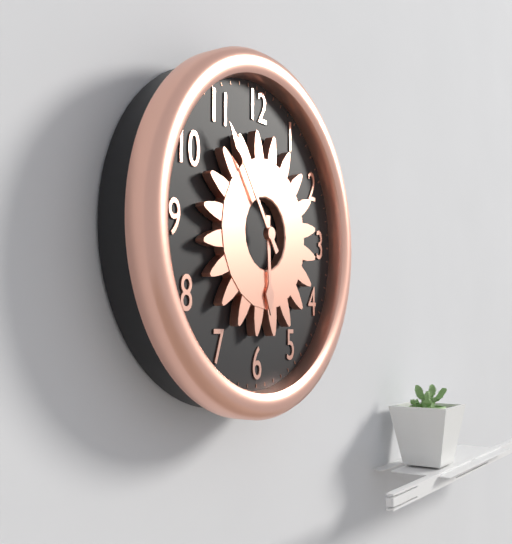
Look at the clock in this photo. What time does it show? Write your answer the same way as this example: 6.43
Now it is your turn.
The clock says 5.54
